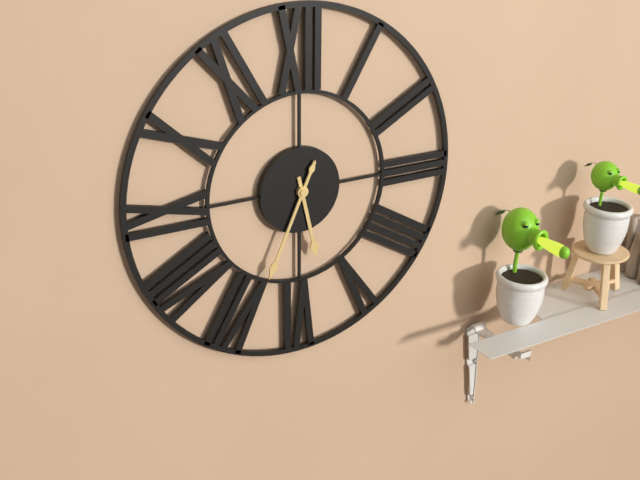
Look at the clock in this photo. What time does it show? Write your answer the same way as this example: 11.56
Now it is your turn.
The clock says 5.34
